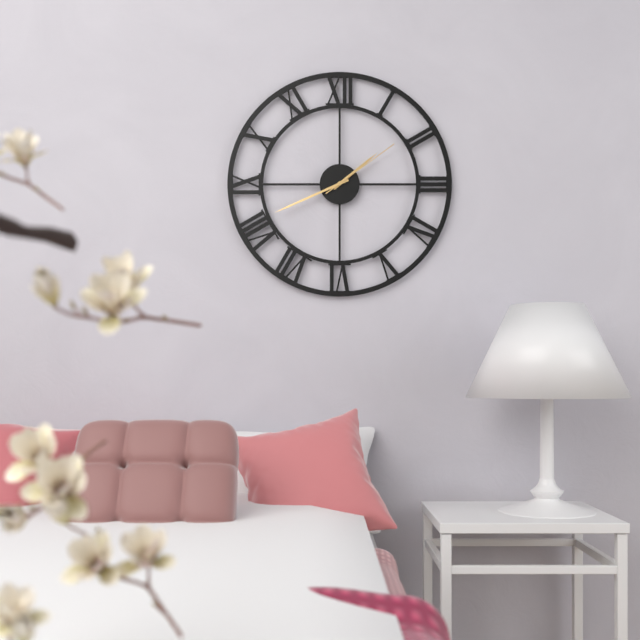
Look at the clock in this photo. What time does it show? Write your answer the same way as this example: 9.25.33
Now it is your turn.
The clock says 1.41.09
